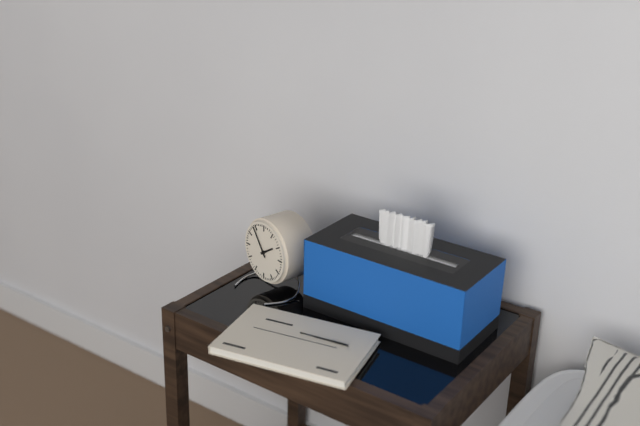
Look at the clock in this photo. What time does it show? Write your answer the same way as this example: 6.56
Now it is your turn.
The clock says 1.54
